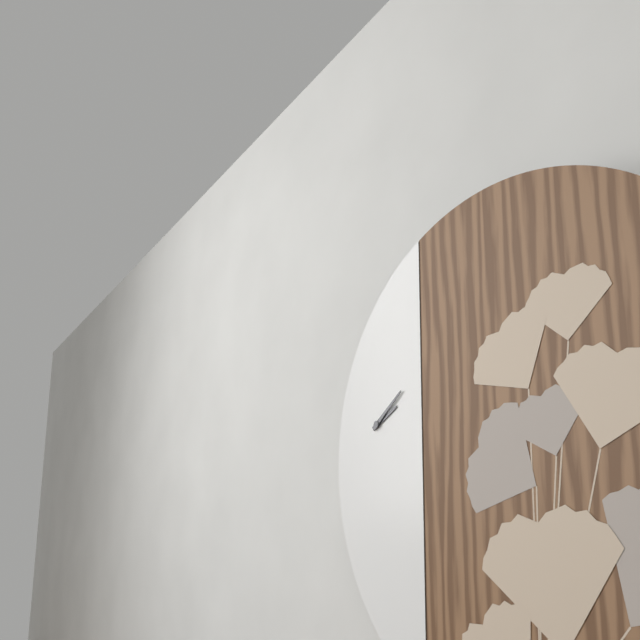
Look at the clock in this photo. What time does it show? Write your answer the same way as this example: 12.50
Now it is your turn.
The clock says 2.09
